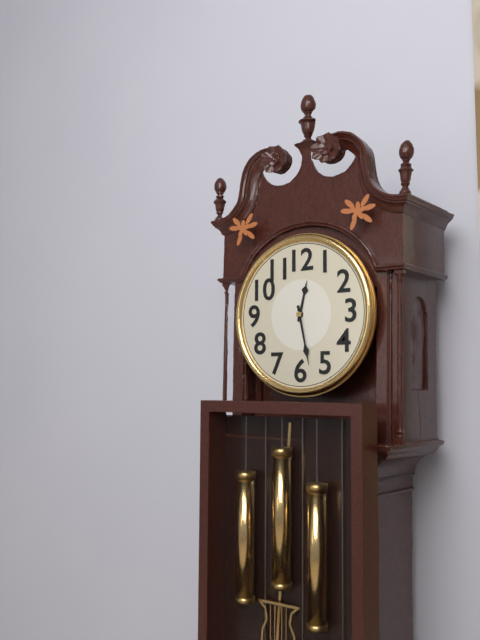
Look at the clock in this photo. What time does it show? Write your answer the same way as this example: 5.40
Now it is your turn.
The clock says 12.28
